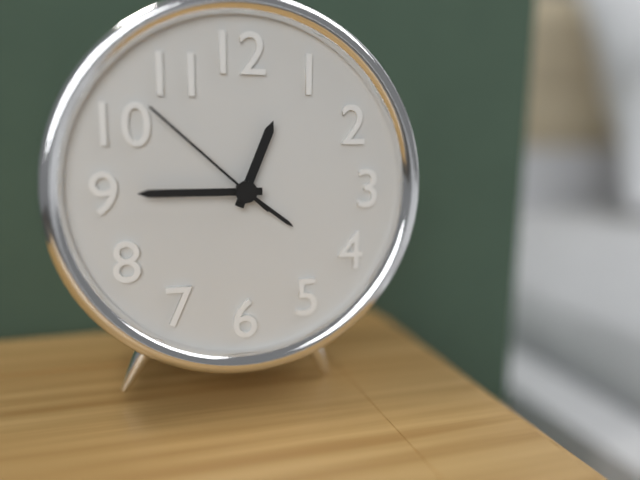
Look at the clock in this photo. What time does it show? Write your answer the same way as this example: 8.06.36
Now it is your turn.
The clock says 12.45.52
